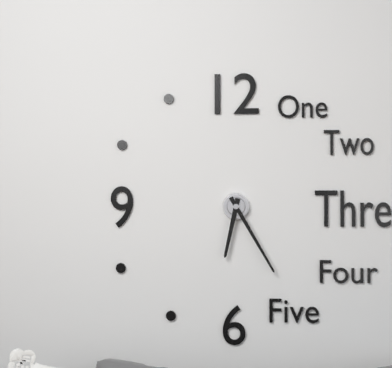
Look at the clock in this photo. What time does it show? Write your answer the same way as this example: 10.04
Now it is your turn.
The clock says 6.25
